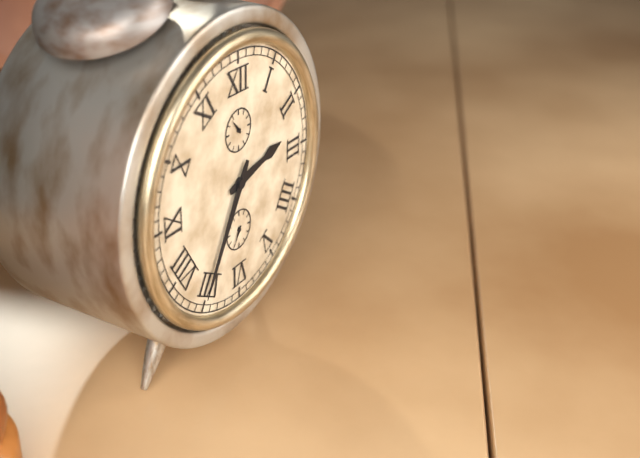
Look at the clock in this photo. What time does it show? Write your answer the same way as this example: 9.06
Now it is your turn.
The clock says 2.35
